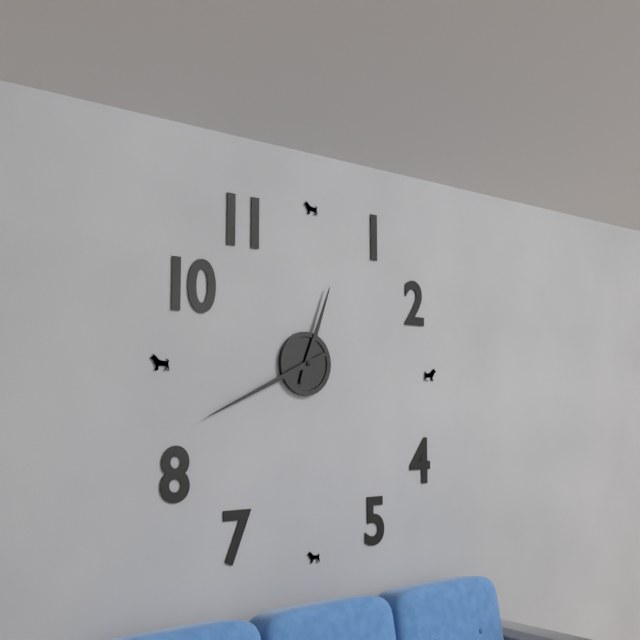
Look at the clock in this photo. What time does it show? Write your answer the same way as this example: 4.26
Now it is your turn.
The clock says 12.41
